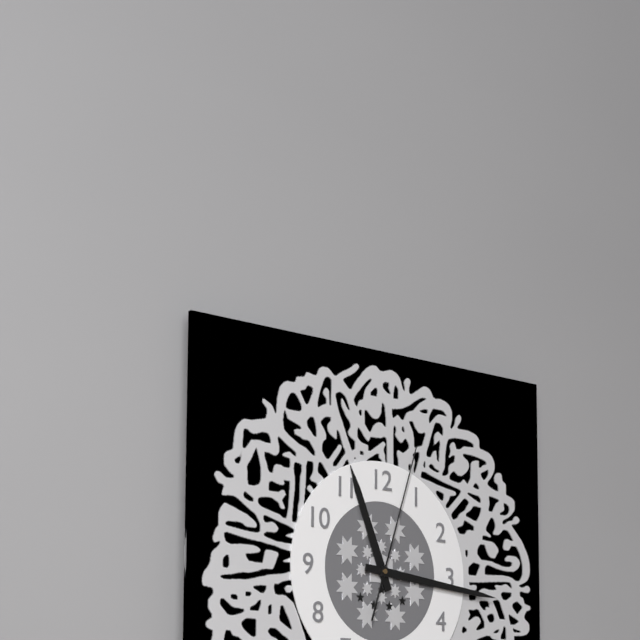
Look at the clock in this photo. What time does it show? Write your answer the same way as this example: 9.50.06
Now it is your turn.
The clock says 11.16.03
